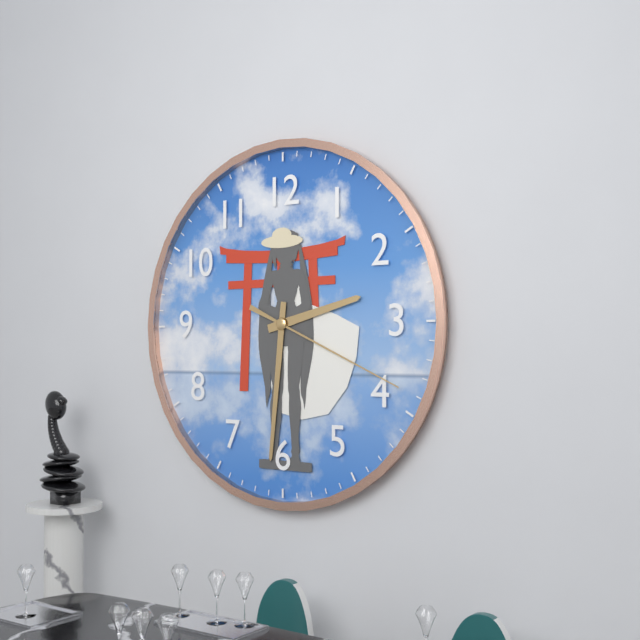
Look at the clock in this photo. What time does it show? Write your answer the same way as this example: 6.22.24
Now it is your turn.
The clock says 2.31.19
